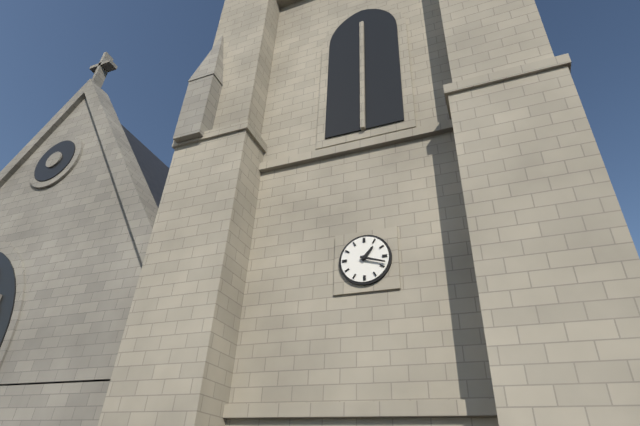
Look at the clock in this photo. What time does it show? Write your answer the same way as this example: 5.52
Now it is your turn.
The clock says 1.18
